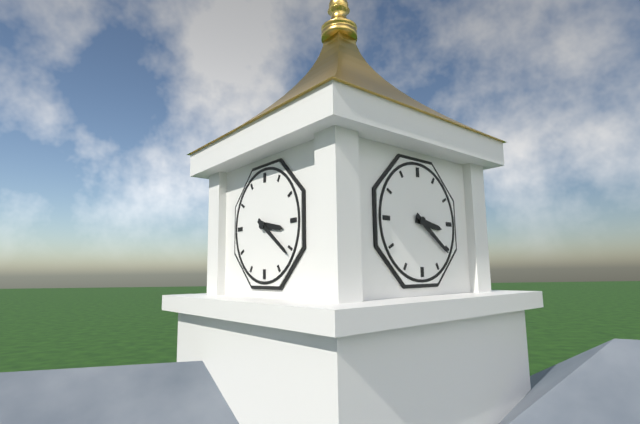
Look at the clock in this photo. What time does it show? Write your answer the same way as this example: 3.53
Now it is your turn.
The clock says 3.21
